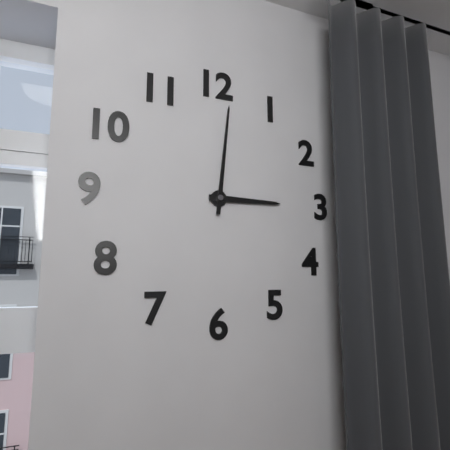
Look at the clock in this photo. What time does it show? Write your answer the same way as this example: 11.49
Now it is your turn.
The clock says 3.01
